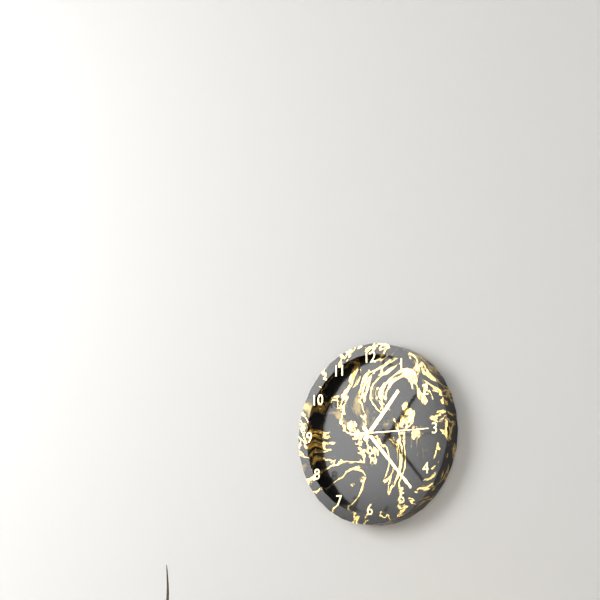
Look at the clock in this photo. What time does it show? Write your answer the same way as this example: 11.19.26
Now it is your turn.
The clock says 1.23.15
